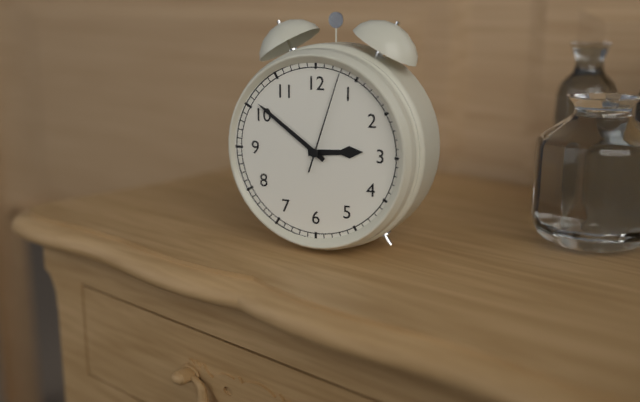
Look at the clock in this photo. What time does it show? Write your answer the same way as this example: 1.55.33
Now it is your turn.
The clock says 2.51.03
